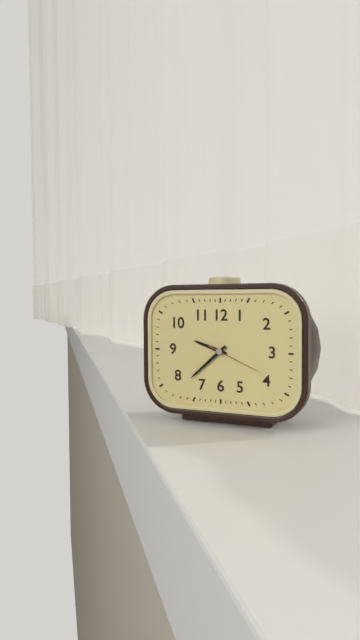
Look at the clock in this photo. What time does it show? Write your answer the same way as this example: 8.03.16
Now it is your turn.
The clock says 9.38.19
